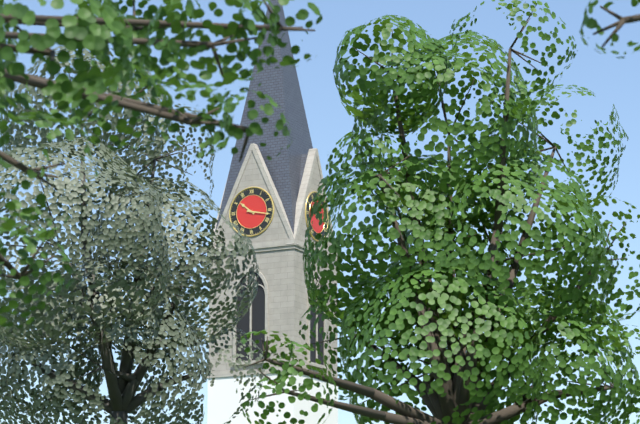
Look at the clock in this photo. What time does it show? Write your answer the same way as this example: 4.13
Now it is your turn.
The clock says 10.17
